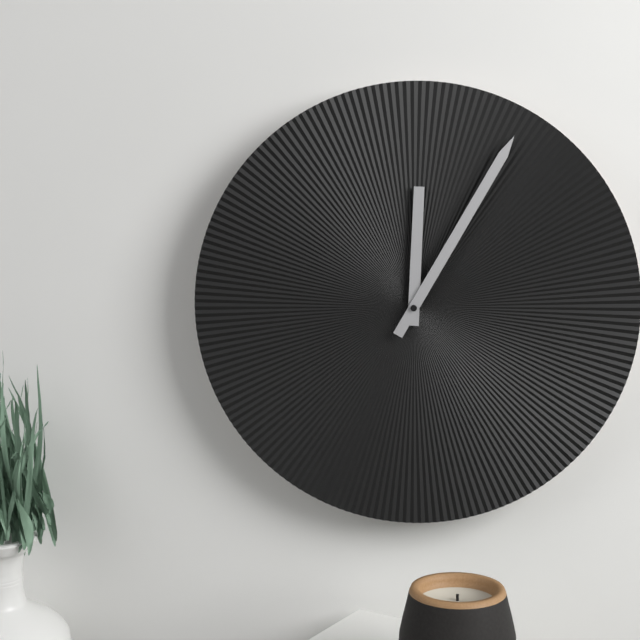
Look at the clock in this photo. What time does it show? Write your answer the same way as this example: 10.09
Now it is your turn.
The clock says 12.05
